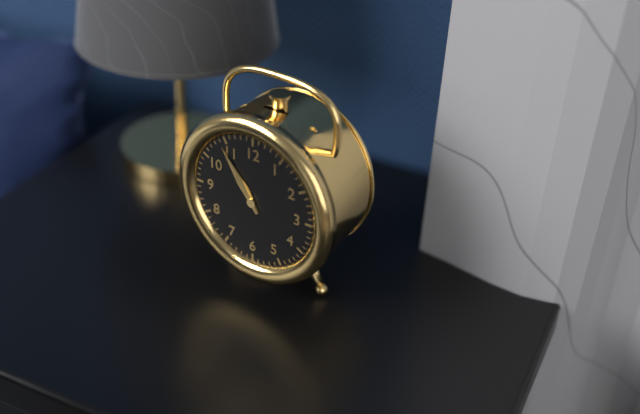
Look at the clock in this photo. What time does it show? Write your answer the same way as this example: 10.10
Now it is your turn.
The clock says 10.54
